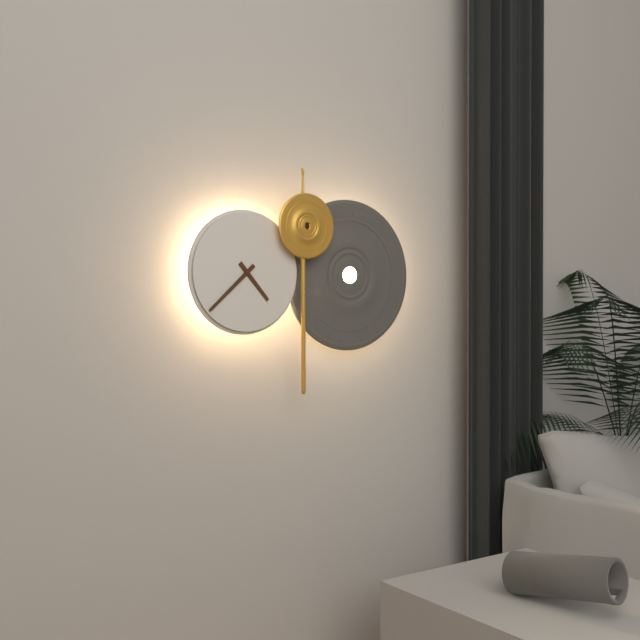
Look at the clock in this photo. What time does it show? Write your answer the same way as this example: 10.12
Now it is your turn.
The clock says 4.38
